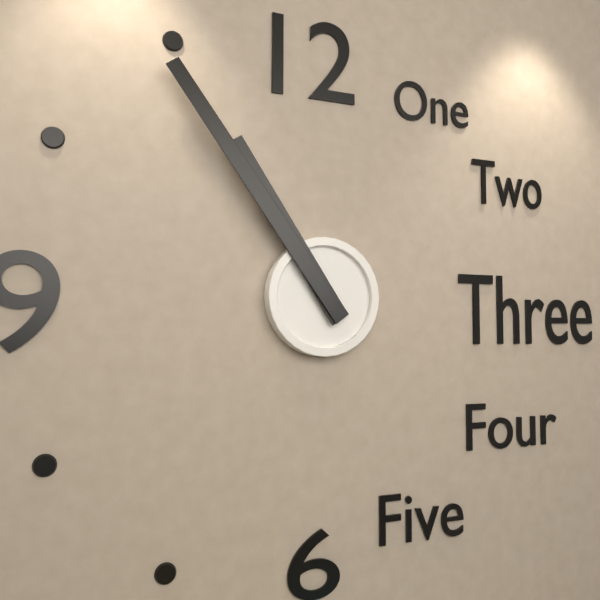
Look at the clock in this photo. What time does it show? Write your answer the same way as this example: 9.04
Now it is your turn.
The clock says 10.54
